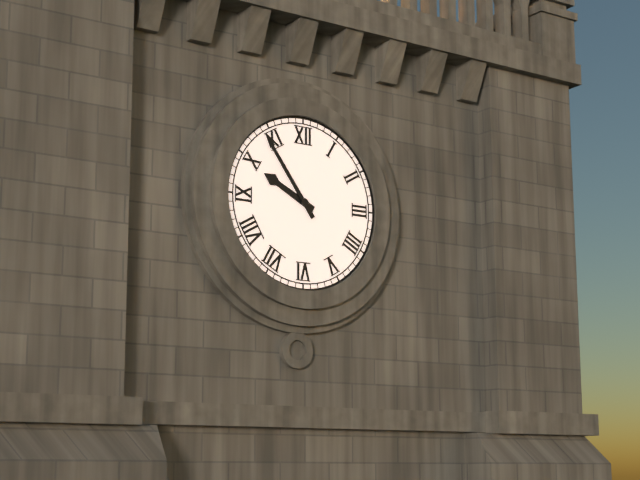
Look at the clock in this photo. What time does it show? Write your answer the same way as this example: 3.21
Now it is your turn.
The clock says 9.54
